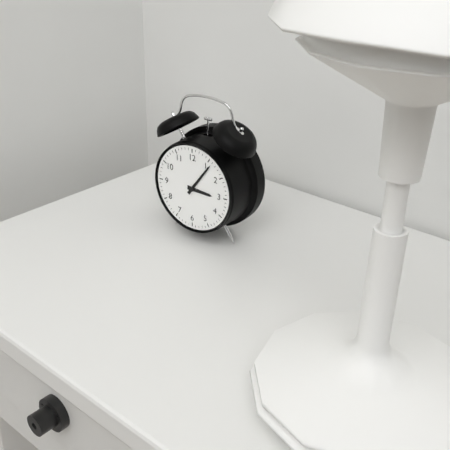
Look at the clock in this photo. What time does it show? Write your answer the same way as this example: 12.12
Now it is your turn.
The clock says 3.06
